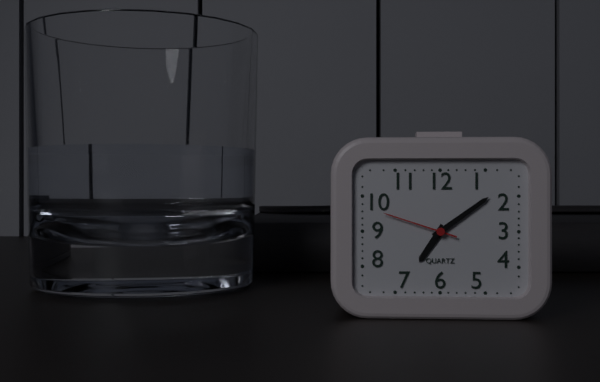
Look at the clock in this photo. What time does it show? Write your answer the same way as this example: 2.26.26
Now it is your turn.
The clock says 7.09.48
